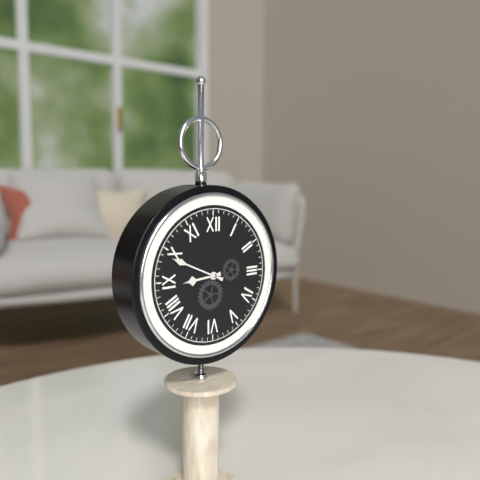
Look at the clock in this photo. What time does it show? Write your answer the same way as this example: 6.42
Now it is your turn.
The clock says 8.49
